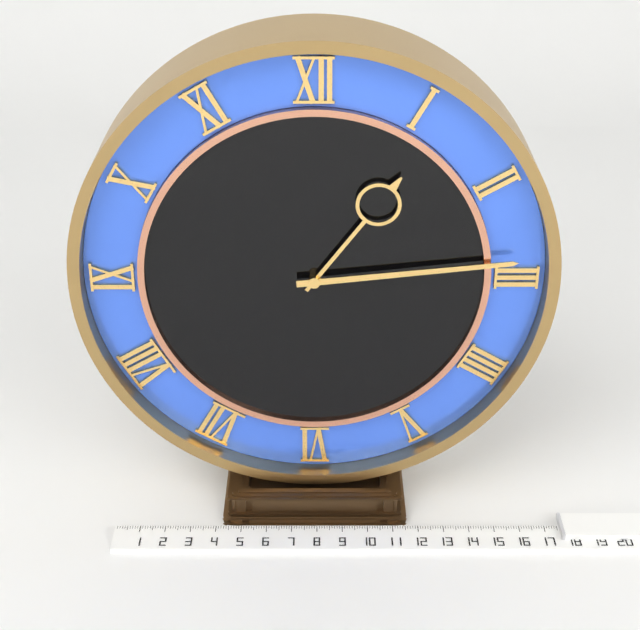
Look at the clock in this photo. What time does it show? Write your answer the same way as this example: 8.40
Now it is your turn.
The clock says 1.14
